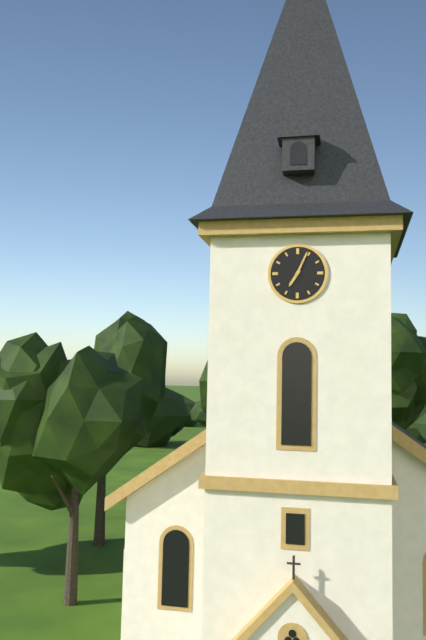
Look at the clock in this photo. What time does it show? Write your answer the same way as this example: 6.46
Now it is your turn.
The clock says 7.04
